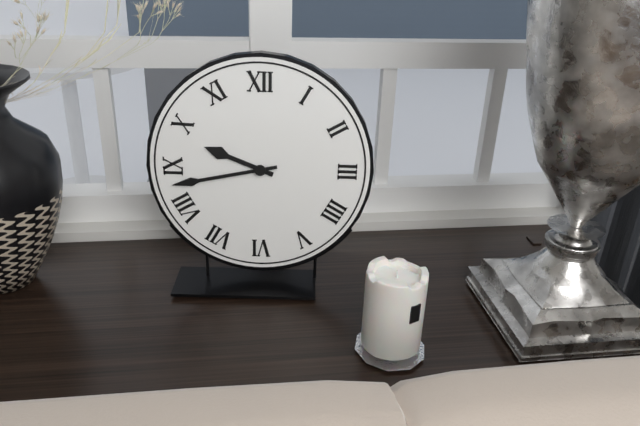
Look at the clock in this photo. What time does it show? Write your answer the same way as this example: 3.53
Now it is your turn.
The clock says 9.43
